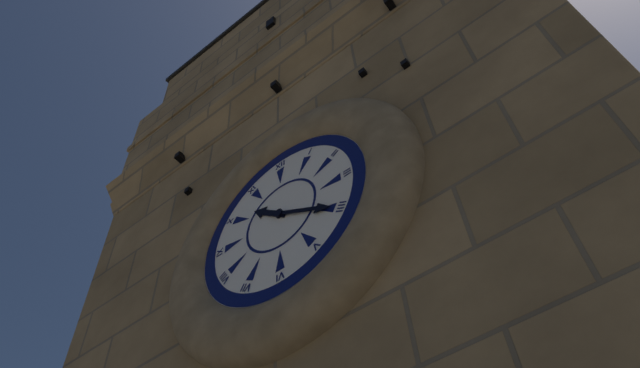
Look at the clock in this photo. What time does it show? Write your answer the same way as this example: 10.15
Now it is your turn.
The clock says 10.20
